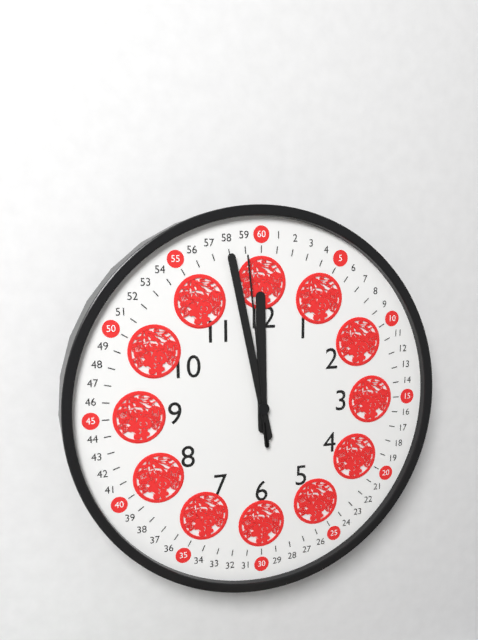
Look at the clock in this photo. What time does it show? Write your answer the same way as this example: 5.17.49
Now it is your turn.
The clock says 11.58.59
